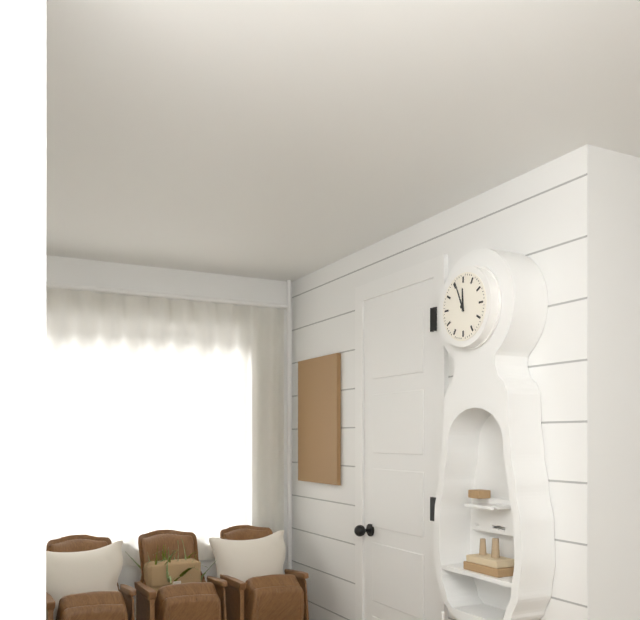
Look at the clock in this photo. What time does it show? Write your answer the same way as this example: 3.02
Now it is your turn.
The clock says 11.56
